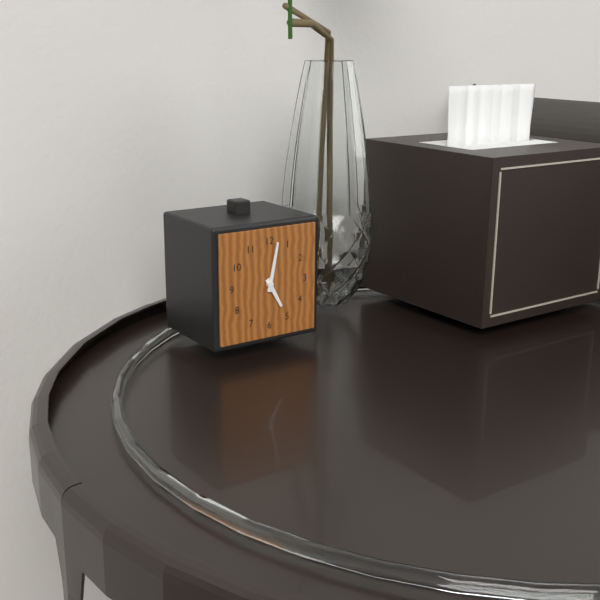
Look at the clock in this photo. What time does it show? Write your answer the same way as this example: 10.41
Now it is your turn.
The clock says 5.02
